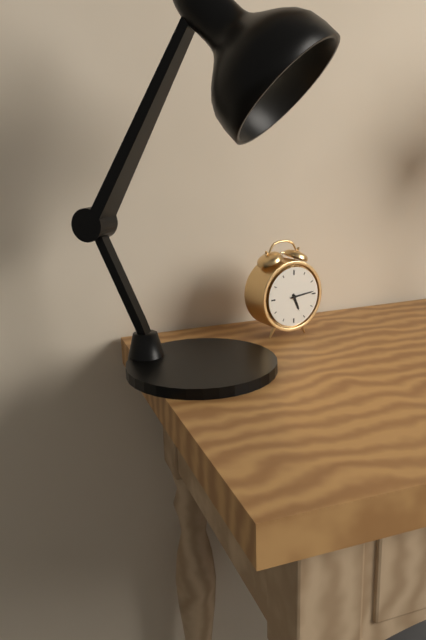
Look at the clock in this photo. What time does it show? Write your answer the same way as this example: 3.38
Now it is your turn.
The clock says 5.14
